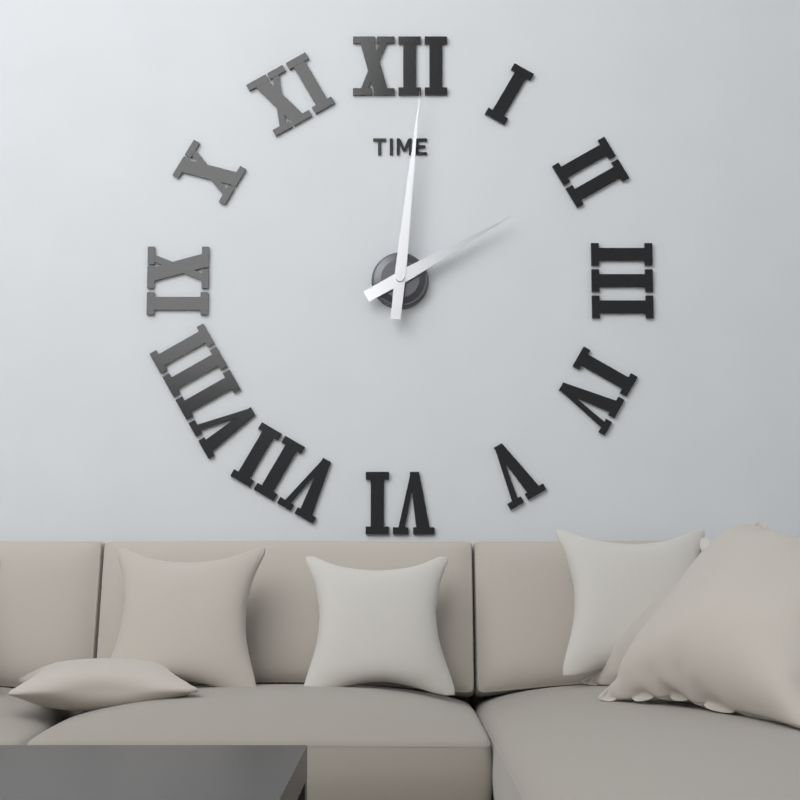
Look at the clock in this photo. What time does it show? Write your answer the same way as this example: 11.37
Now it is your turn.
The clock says 2.01
